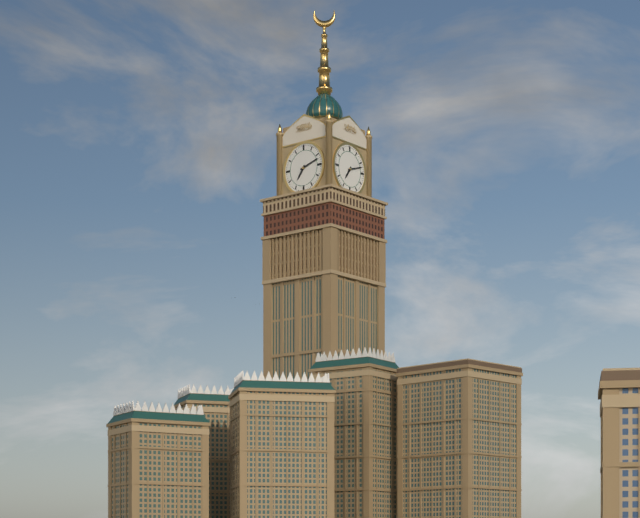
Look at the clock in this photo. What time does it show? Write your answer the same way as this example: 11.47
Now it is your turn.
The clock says 7.12
